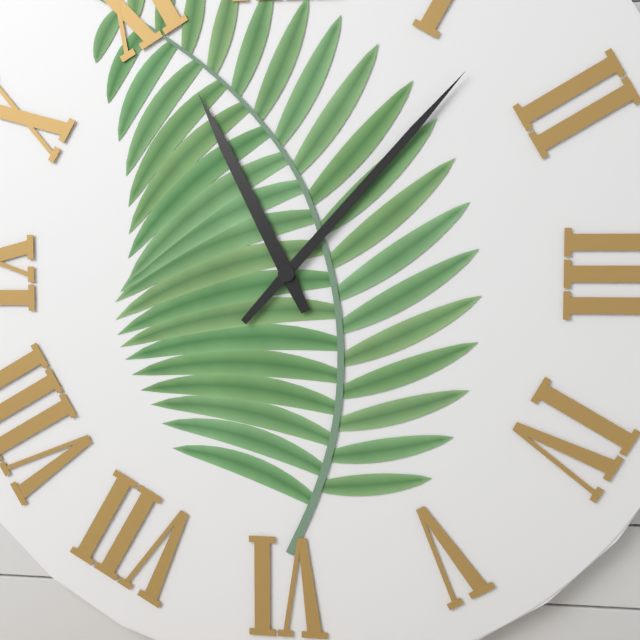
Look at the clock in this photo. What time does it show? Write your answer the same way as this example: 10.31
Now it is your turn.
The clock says 11.07
